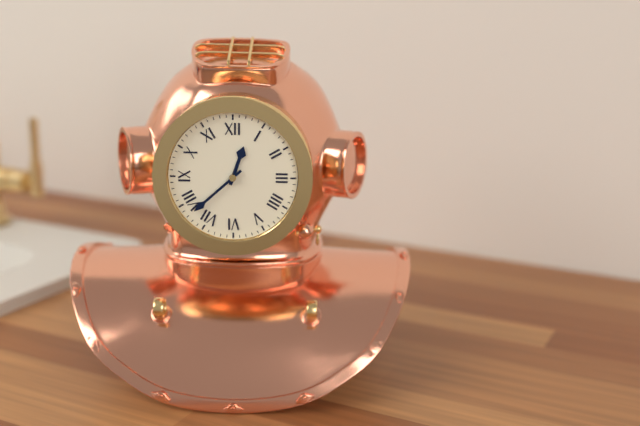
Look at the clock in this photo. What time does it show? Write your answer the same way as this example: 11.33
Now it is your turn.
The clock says 12.38
